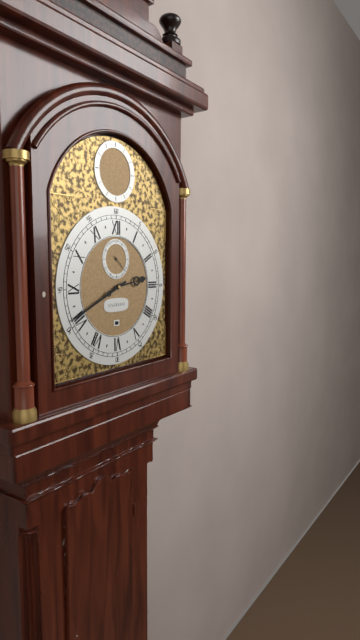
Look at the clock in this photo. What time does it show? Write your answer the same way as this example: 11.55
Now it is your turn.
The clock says 2.41
